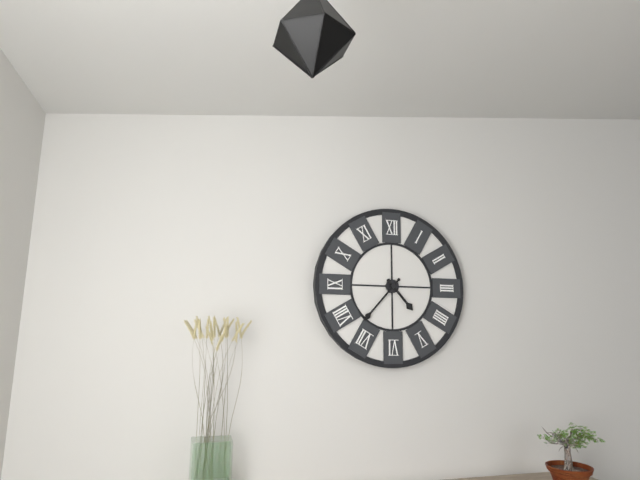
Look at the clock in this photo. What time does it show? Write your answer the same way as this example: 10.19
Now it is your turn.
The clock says 4.37
